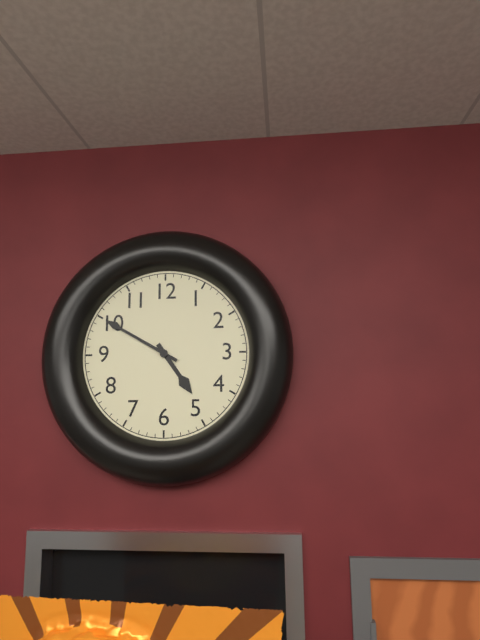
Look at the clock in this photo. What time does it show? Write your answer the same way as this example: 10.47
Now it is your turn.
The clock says 4.50
